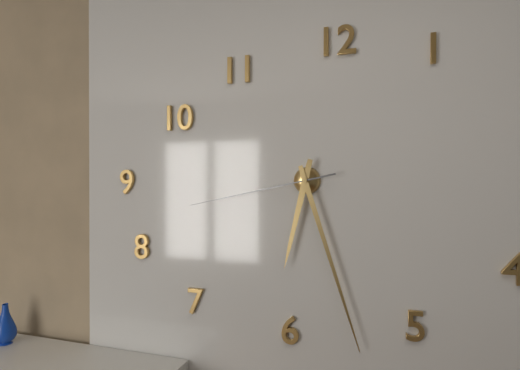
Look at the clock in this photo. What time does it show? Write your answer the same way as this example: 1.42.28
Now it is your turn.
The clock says 6.27.43
